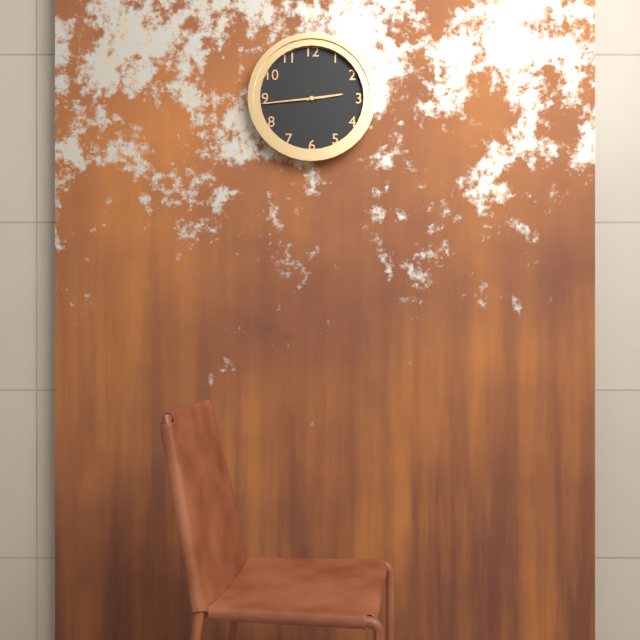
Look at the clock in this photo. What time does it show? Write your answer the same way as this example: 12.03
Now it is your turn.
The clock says 2.44
